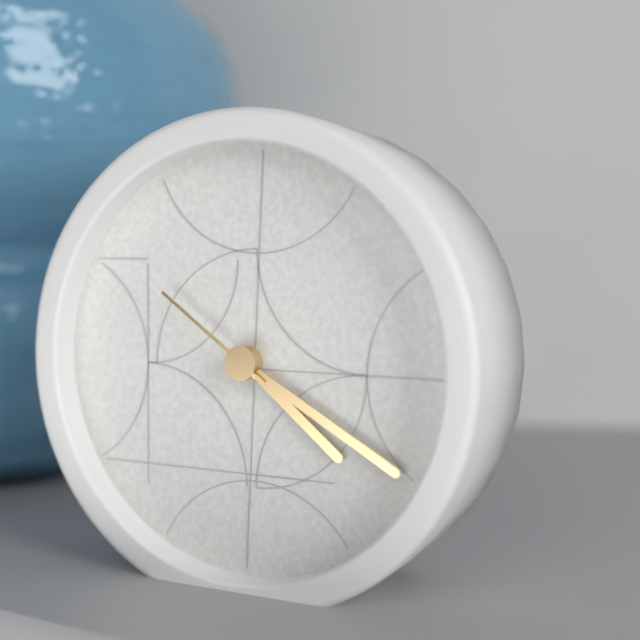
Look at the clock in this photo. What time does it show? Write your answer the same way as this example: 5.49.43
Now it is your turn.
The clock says 4.20.51
